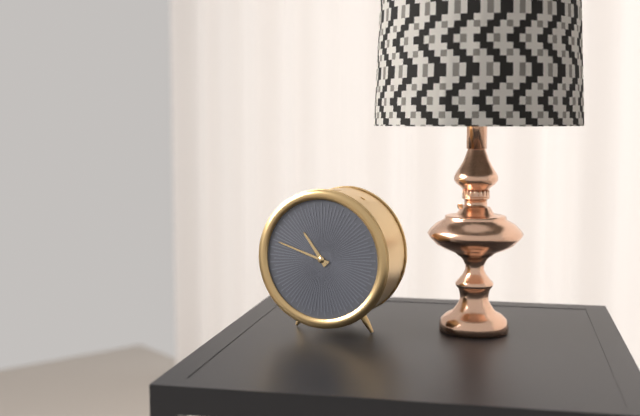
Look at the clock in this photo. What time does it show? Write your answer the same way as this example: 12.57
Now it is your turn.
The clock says 10.48
